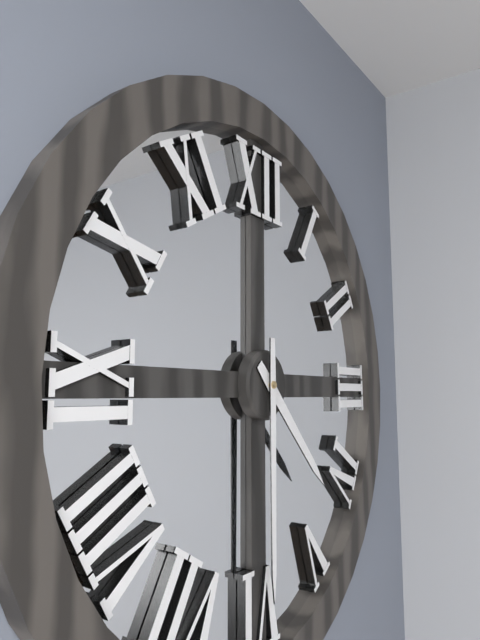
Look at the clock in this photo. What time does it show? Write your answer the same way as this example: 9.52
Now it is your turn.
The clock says 4.30
